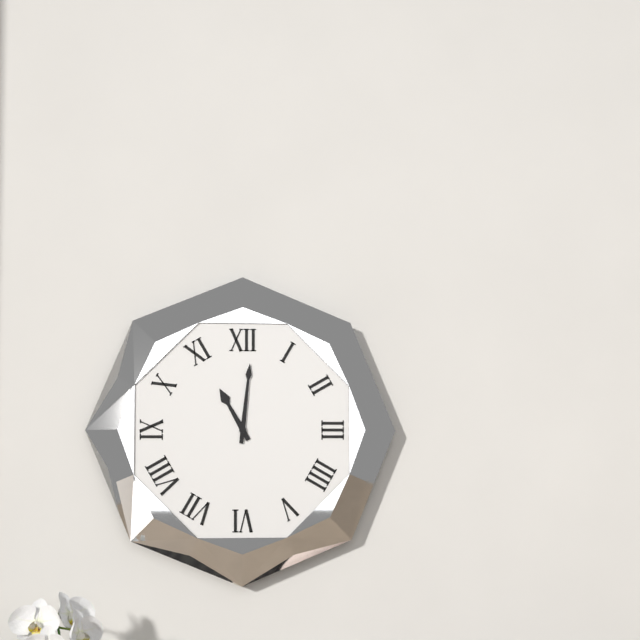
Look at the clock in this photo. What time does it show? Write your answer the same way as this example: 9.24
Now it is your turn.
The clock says 11.01
